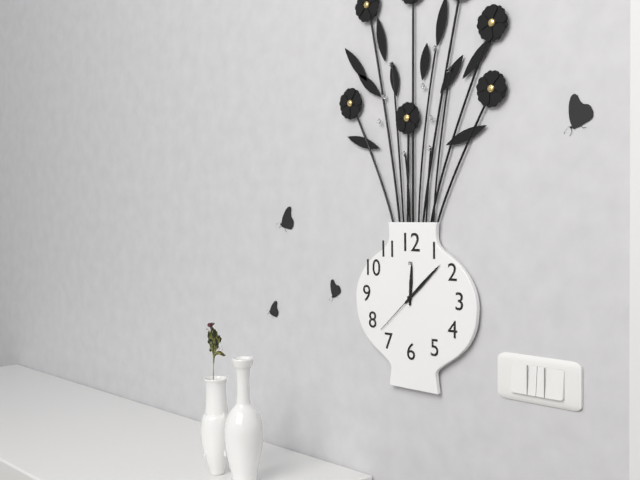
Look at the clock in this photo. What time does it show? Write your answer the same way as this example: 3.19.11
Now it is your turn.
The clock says 12.08.38
